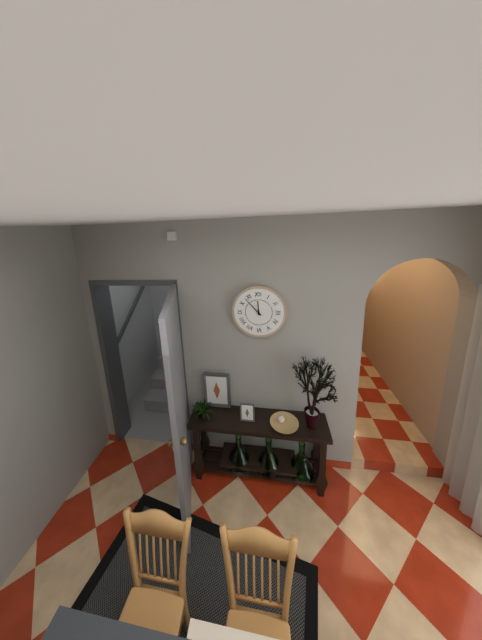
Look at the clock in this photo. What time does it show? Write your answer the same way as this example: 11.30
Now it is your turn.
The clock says 11.53
